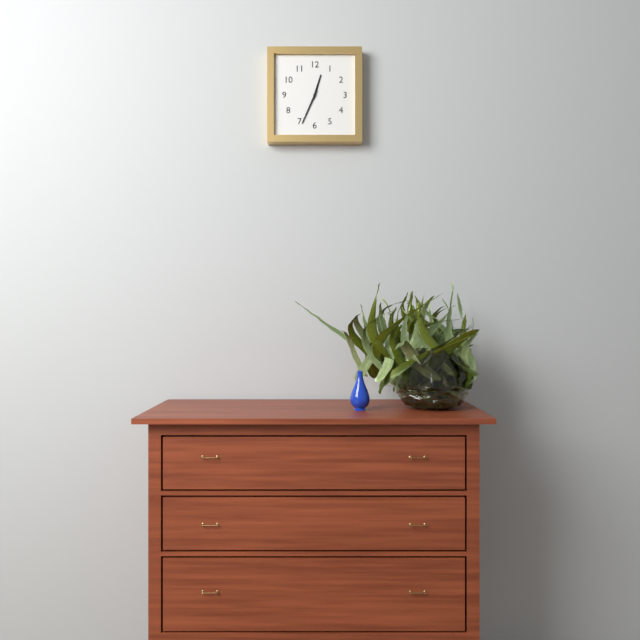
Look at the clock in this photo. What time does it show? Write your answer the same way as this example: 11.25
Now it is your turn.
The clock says 12.34
